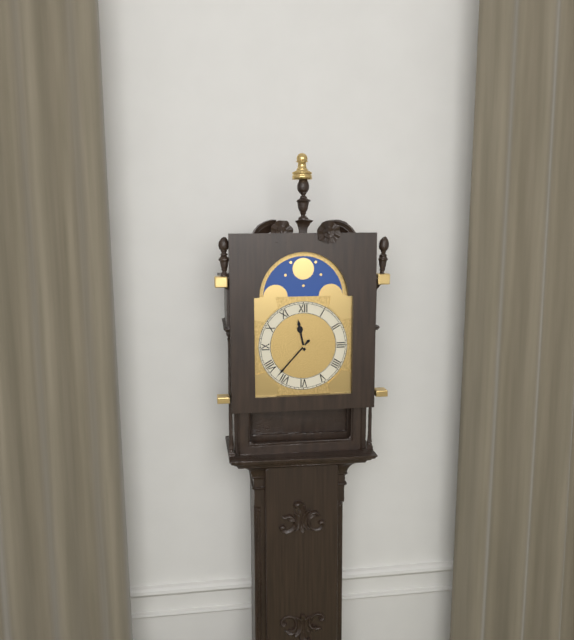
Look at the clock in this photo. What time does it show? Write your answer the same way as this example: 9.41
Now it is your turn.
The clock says 11.37
